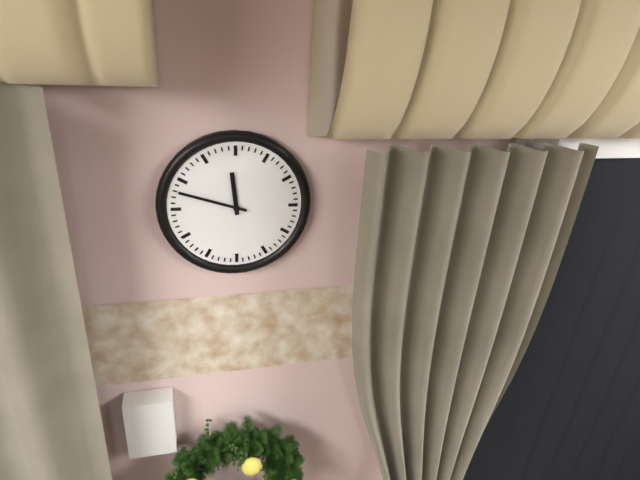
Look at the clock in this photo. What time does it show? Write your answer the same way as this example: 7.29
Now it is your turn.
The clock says 11.48
